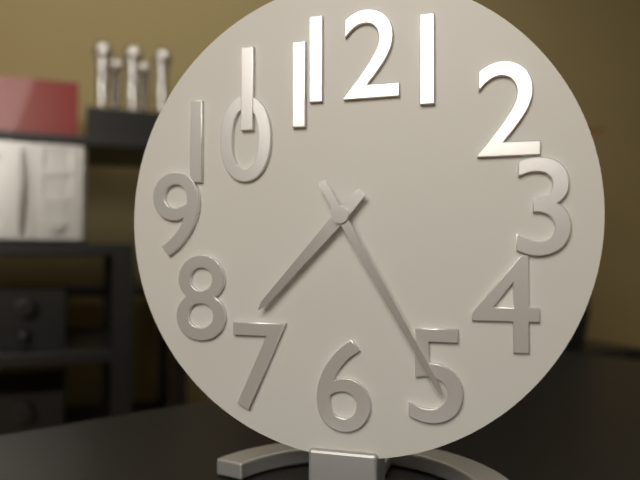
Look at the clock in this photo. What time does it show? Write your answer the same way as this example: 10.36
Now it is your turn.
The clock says 7.25
